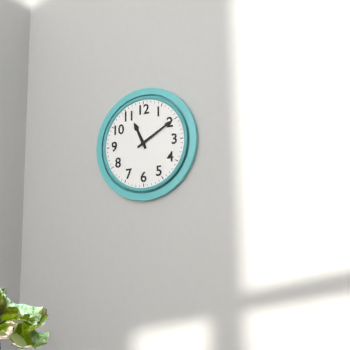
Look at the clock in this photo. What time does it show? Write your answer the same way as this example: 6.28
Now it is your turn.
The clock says 11.10
